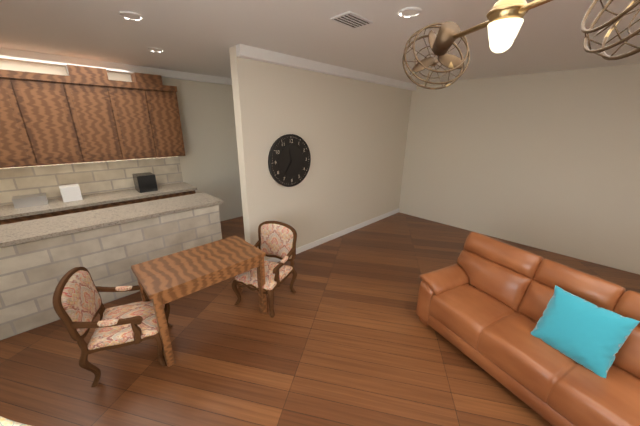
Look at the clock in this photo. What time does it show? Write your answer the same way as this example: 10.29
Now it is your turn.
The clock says 11.36
